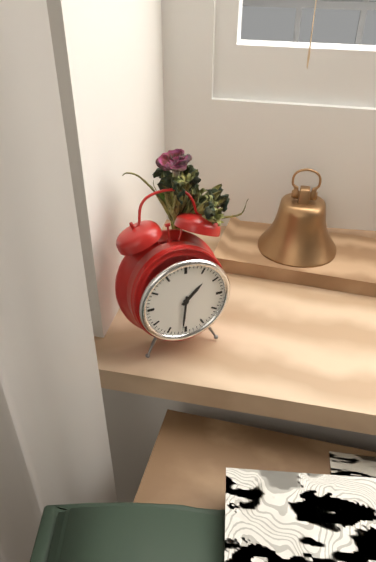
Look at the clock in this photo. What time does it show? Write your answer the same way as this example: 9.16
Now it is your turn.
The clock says 1.31
